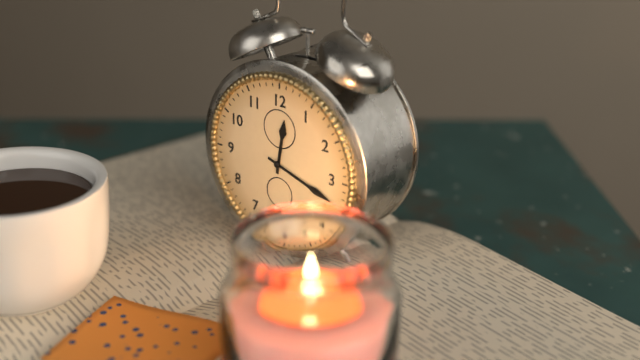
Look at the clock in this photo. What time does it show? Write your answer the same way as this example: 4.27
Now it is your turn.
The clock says 12.18
